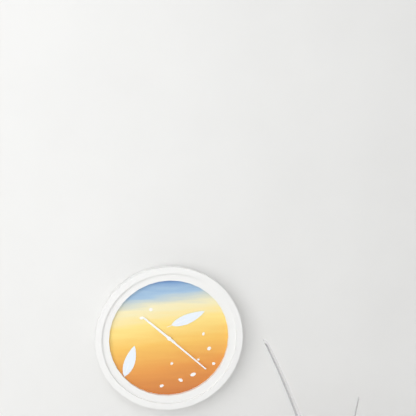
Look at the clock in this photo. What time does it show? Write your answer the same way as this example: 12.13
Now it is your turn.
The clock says 10.22
